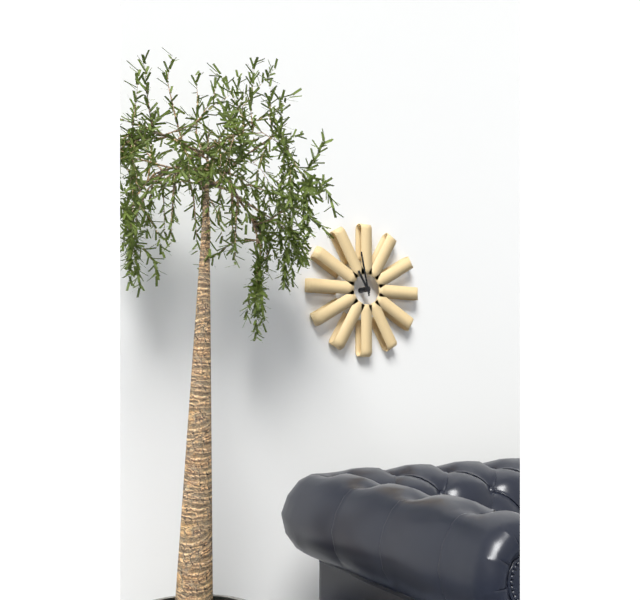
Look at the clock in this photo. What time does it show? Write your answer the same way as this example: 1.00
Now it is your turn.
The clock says 10.58
